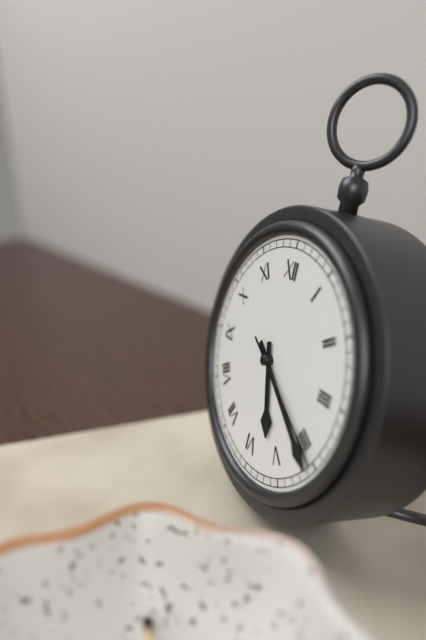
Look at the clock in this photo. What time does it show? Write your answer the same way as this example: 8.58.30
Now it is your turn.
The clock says 5.21.20
